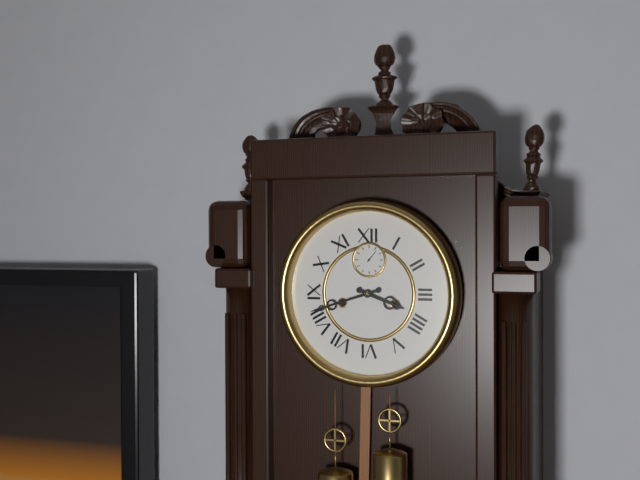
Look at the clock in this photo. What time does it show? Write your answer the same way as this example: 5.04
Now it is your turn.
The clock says 3.42
